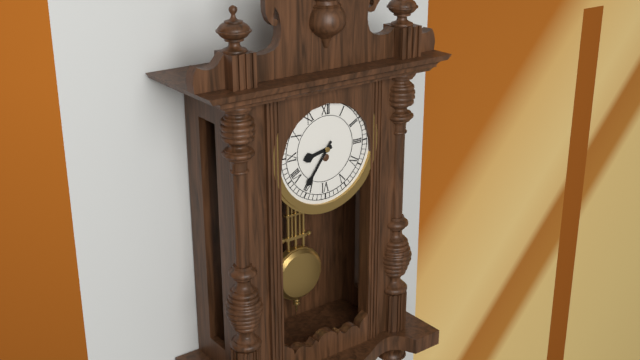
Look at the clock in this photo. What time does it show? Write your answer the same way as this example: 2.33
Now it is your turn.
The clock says 8.36
